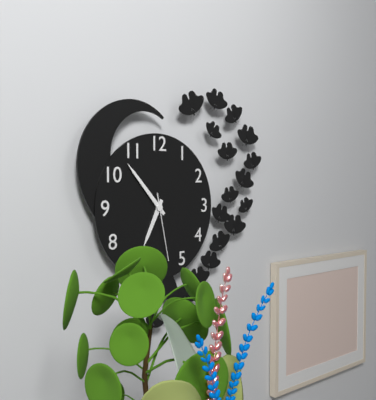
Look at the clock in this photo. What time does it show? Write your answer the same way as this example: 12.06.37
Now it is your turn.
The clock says 6.53.28
